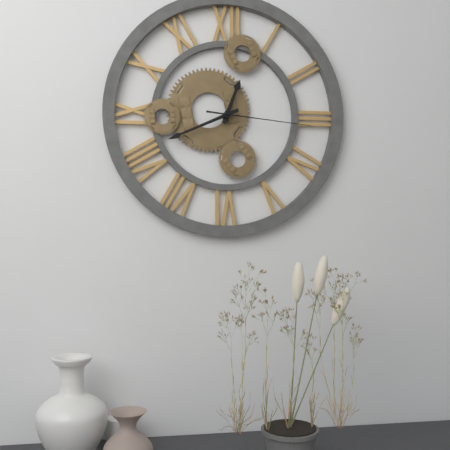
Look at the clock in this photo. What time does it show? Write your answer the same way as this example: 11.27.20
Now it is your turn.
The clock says 12.41.16
